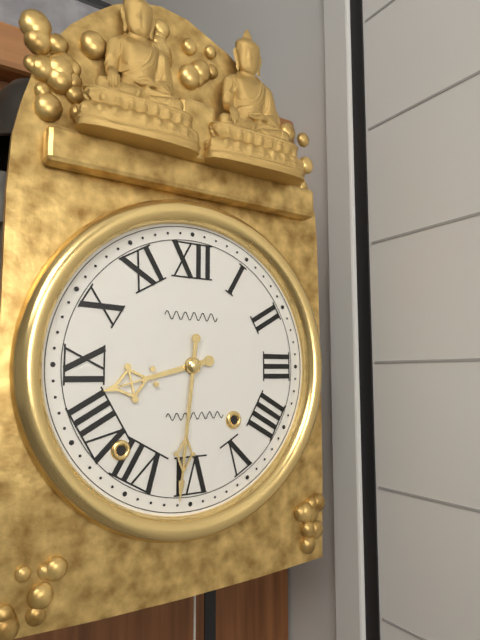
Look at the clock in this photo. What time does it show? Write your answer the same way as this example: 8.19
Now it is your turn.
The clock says 8.31
